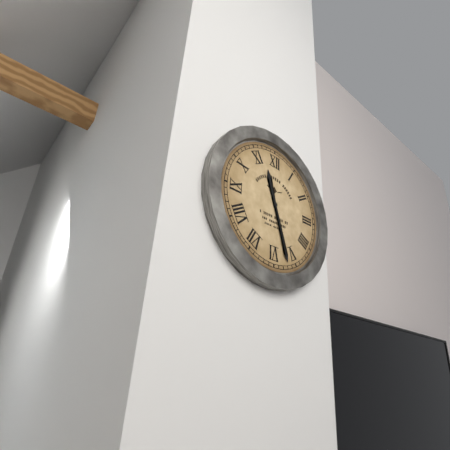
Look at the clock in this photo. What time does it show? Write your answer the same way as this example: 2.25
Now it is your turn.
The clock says 11.27
